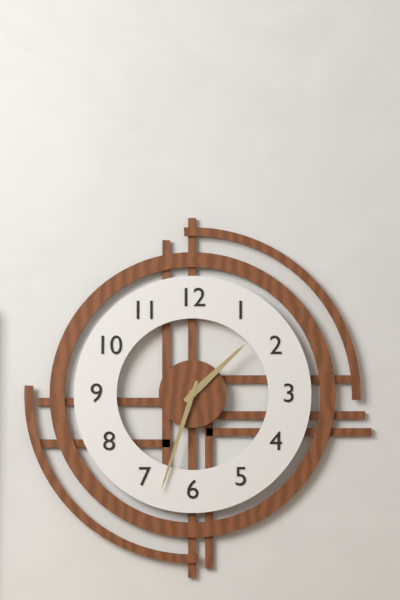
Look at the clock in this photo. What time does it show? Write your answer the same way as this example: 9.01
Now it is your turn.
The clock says 1.33
